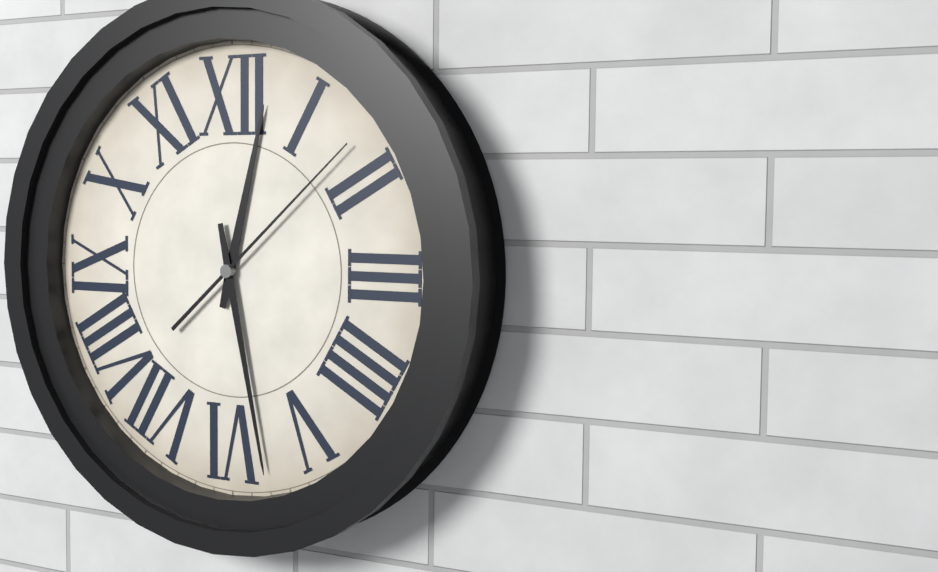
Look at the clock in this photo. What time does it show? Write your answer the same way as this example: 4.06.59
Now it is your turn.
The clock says 12.28.08
